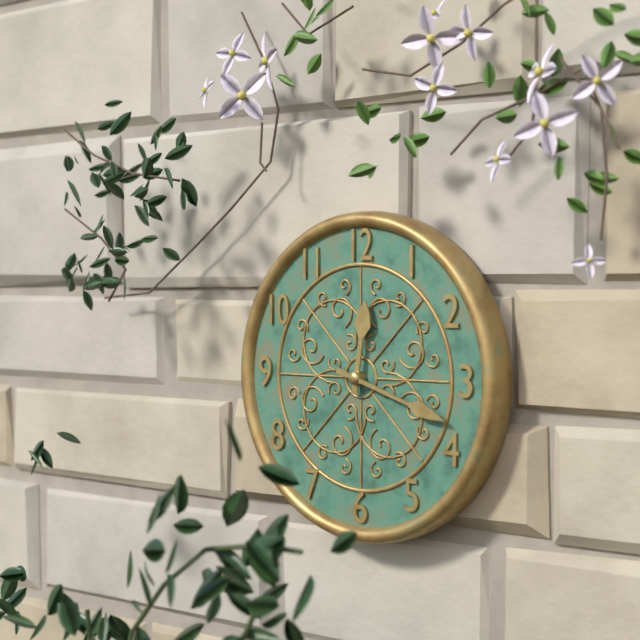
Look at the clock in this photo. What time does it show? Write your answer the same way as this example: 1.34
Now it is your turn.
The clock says 12.18
